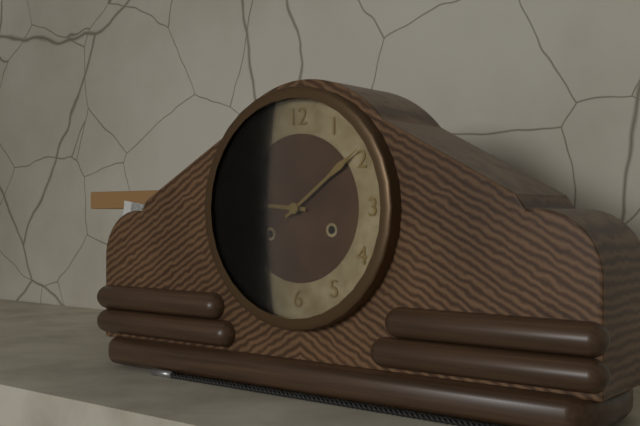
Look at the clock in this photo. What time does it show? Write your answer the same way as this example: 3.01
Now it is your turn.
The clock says 9.09
